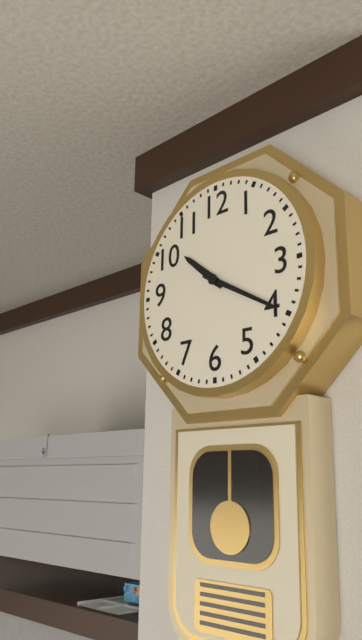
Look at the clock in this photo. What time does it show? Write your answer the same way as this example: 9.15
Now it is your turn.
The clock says 10.20
